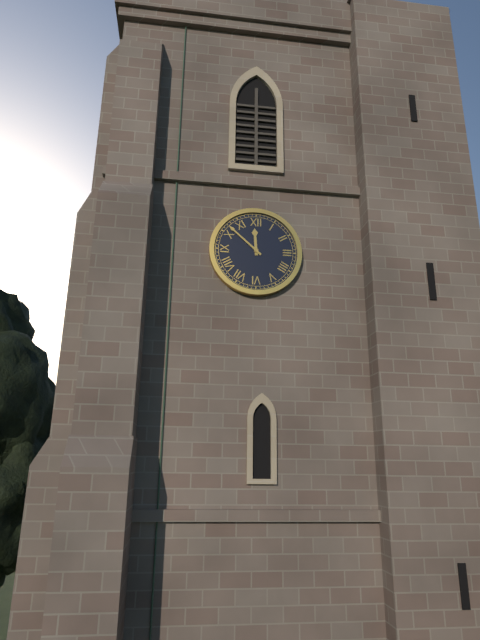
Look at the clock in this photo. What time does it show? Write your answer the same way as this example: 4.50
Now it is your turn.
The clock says 11.52
